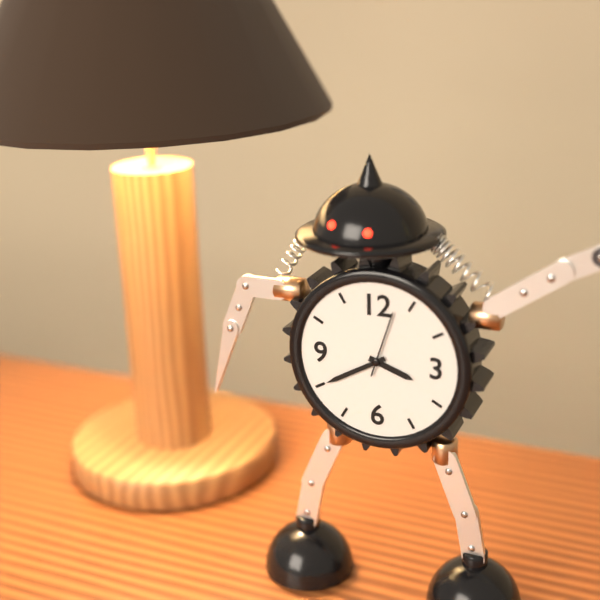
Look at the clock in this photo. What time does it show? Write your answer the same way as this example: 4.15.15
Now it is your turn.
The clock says 3.40.03
